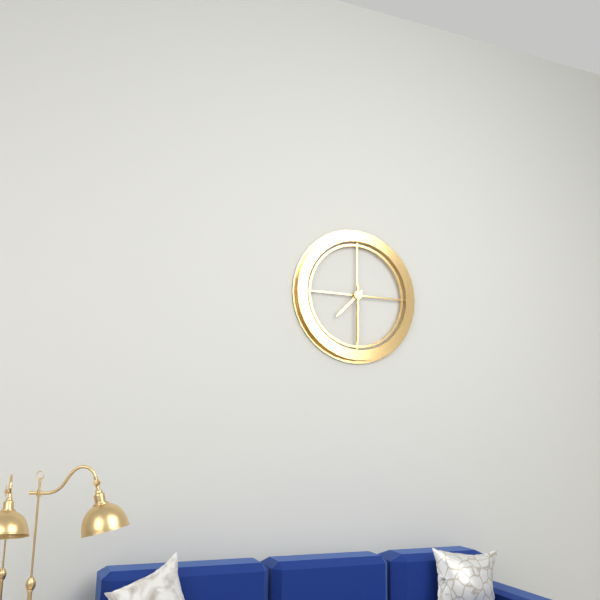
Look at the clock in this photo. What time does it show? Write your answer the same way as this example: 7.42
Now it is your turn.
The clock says 7.30
